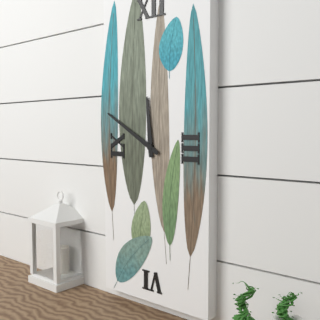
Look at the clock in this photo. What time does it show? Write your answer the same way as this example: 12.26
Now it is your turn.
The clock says 11.50
